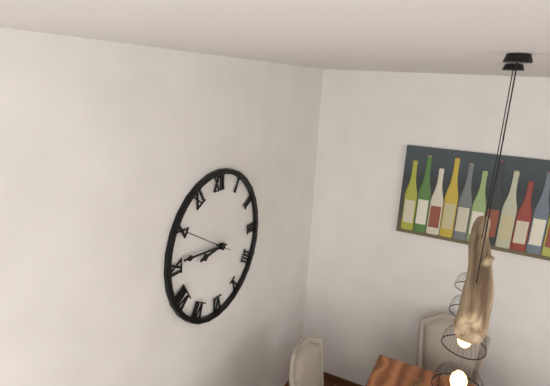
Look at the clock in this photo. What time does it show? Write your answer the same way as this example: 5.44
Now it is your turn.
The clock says 8.46
